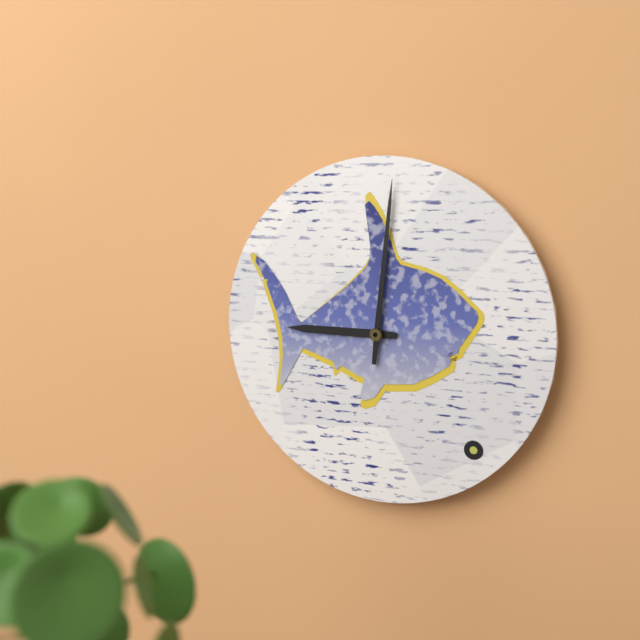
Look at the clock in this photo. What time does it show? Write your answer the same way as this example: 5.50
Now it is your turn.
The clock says 9.01
